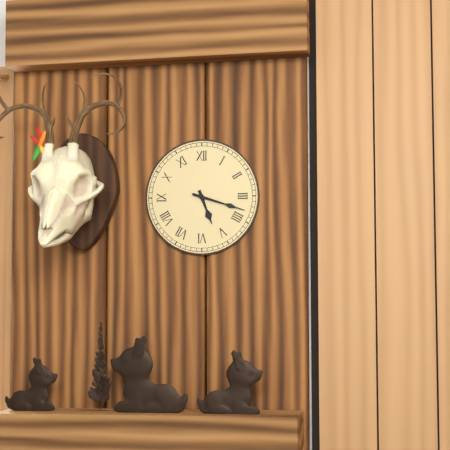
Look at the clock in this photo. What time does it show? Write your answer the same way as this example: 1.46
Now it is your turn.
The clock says 5.18
